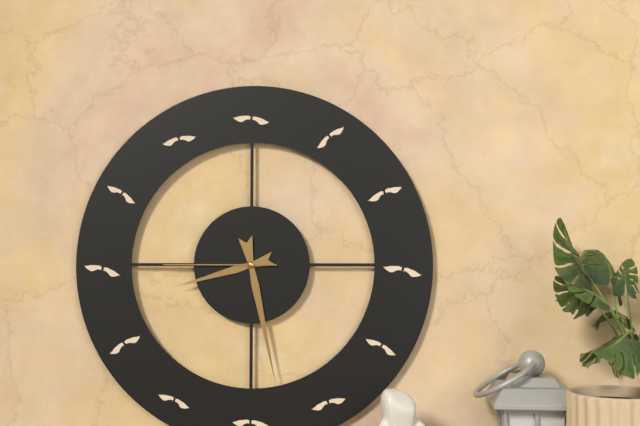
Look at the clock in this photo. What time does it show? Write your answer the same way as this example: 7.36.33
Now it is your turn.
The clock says 8.28.45
